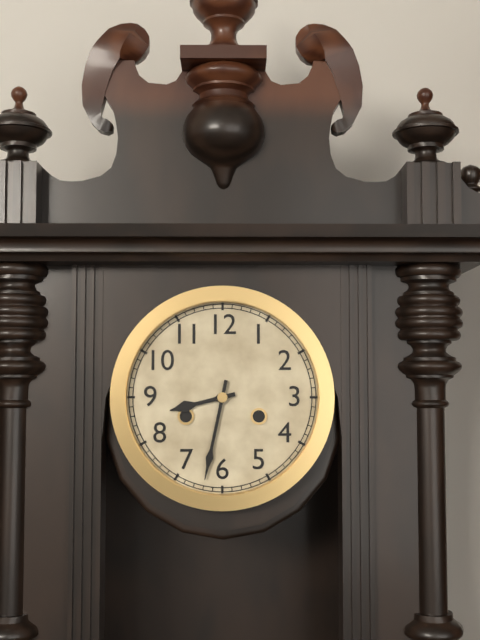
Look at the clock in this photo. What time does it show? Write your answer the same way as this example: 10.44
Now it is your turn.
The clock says 8.32
